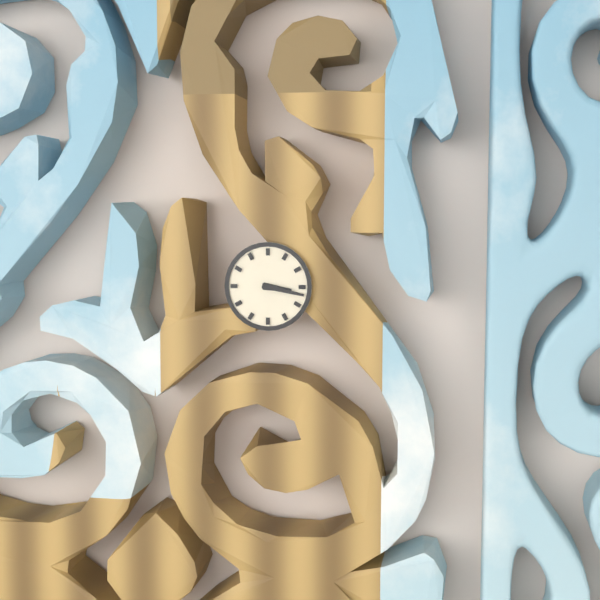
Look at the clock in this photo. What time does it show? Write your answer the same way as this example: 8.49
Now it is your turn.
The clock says 3.17
